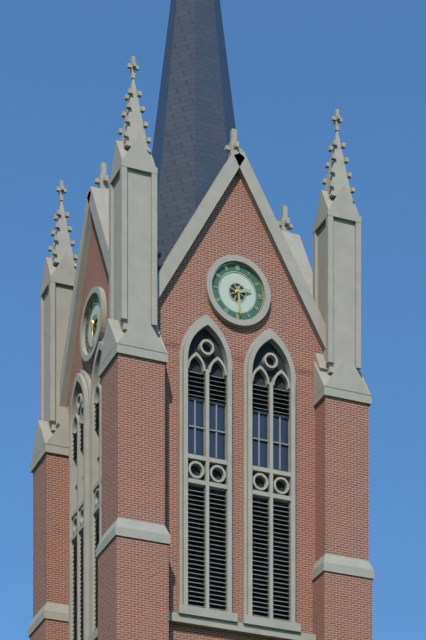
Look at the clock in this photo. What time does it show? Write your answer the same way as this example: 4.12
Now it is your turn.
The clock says 2.29
